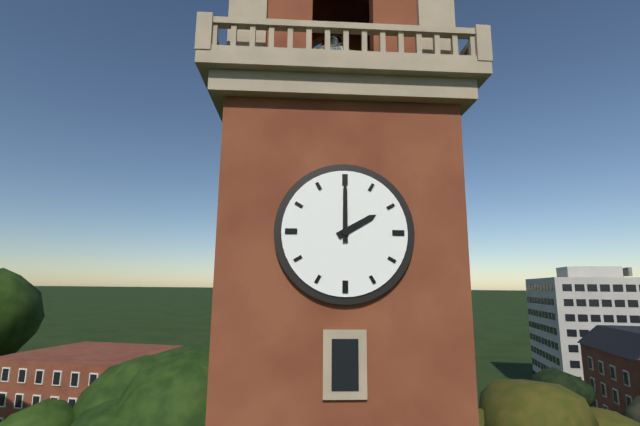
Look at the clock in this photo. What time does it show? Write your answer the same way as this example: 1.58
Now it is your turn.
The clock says 2.00
